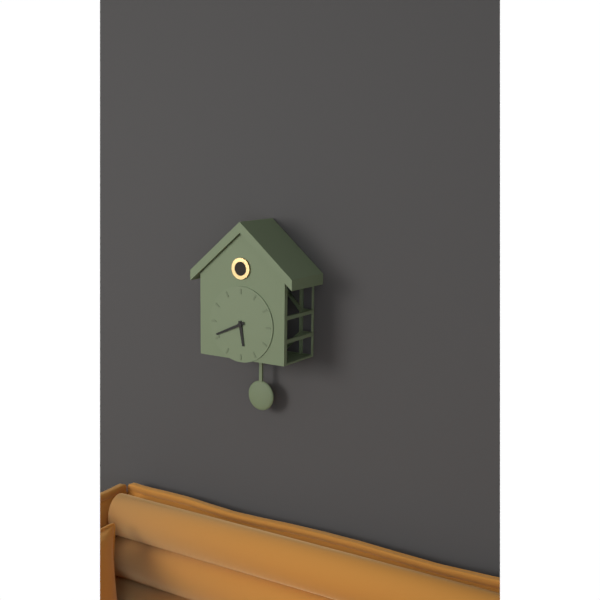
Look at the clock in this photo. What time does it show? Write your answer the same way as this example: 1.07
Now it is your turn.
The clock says 5.41
